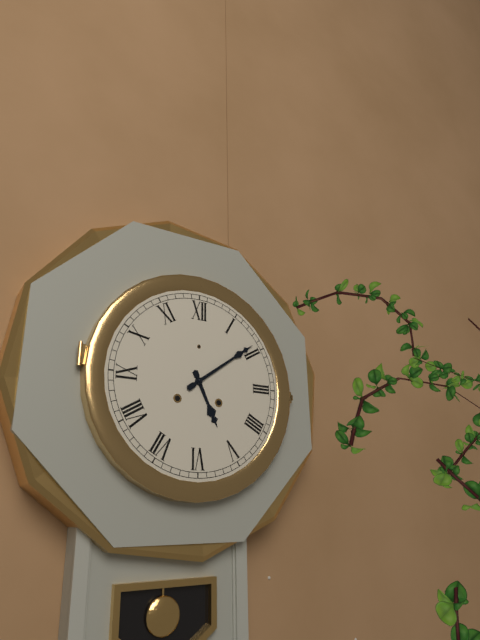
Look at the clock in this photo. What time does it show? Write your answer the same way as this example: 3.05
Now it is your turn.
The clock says 5.09
